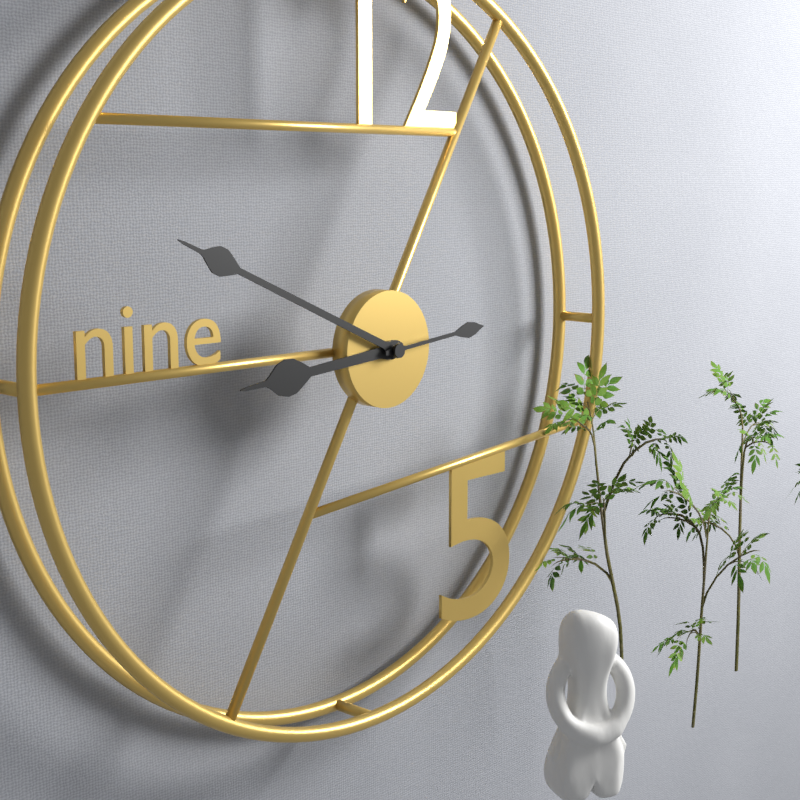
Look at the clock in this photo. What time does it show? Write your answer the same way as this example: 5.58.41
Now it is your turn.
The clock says 8.49.14
